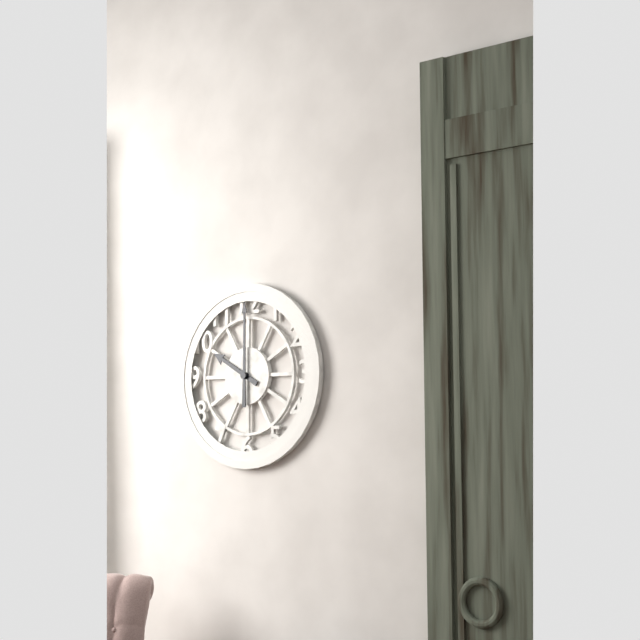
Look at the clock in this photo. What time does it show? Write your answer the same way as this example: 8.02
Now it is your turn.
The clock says 10.00
